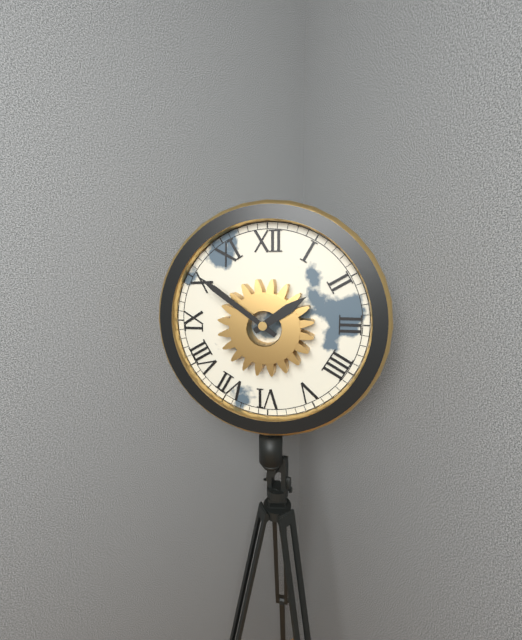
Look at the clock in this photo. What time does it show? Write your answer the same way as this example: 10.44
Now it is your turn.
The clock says 1.51
